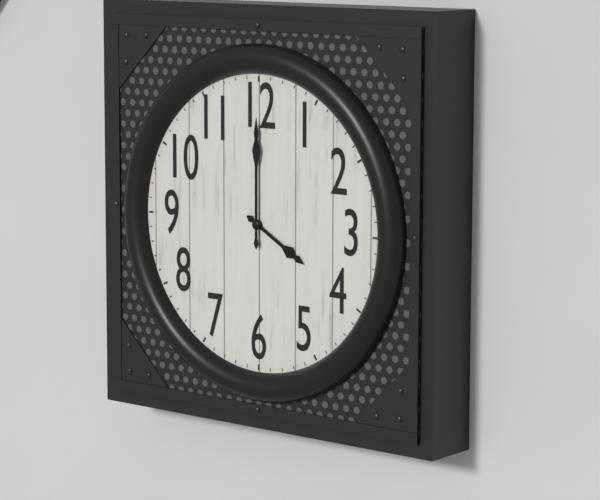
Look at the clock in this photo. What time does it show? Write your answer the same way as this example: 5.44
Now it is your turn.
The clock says 4.00
